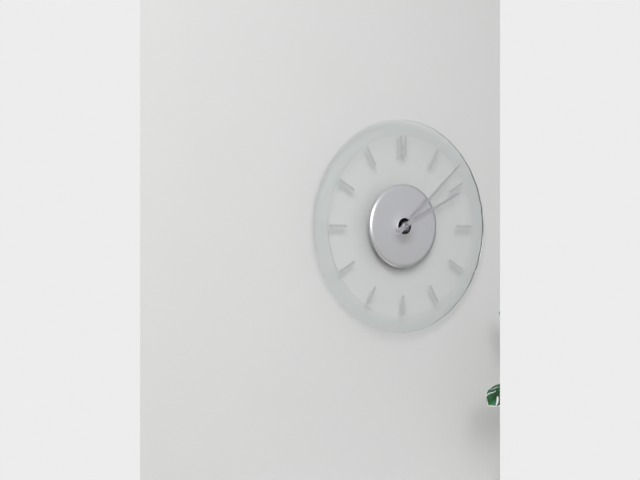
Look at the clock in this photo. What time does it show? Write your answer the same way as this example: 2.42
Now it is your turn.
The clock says 2.08
